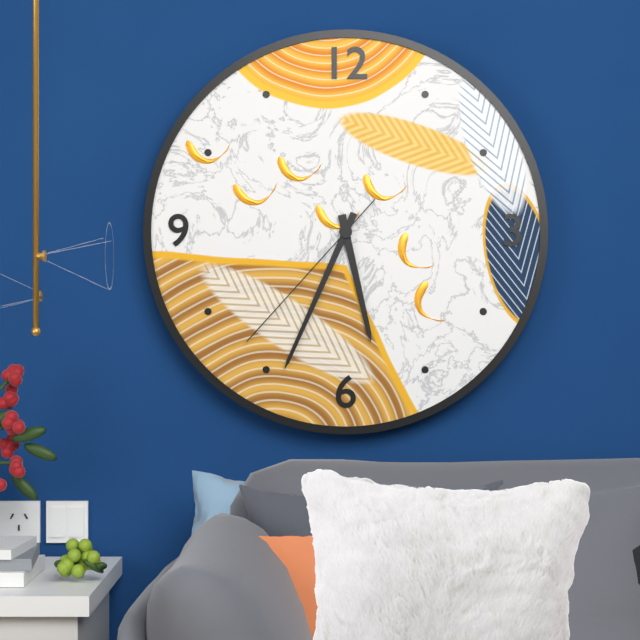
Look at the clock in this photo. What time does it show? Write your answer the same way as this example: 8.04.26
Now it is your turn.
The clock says 5.34.37
